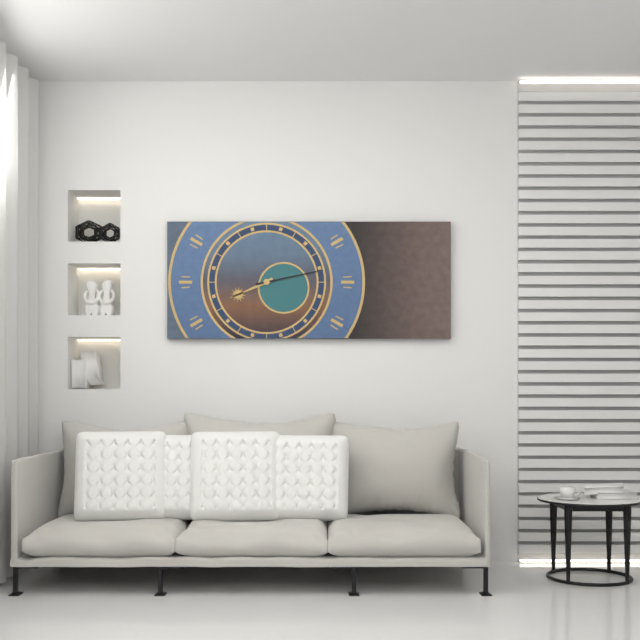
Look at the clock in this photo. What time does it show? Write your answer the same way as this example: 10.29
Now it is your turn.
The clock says 8.13
